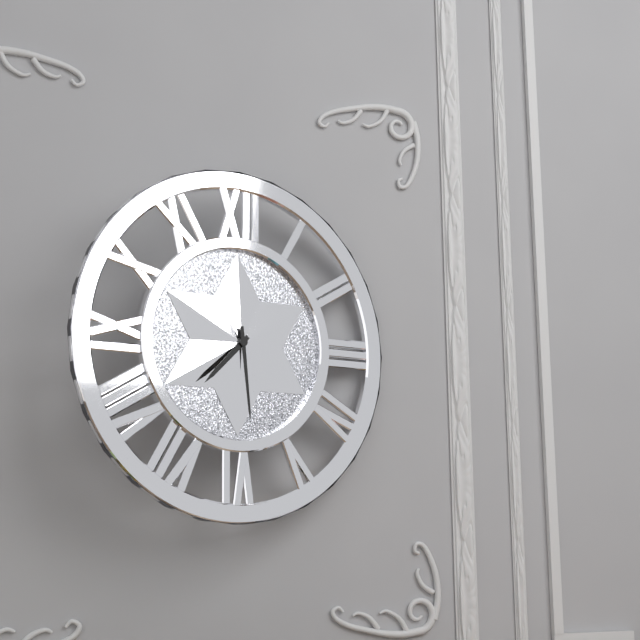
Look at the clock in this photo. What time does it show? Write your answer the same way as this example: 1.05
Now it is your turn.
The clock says 7.29
